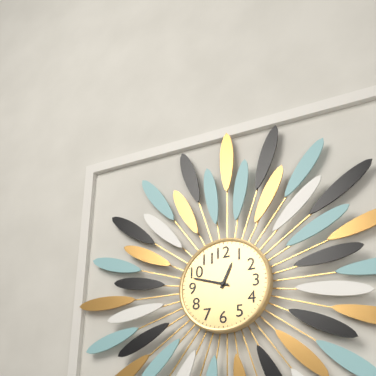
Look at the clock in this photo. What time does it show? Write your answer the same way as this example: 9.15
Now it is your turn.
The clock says 12.48
